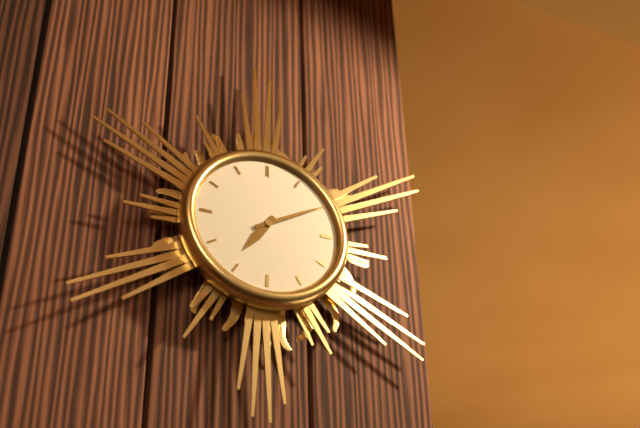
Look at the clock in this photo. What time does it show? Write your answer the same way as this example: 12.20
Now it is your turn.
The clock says 7.10
